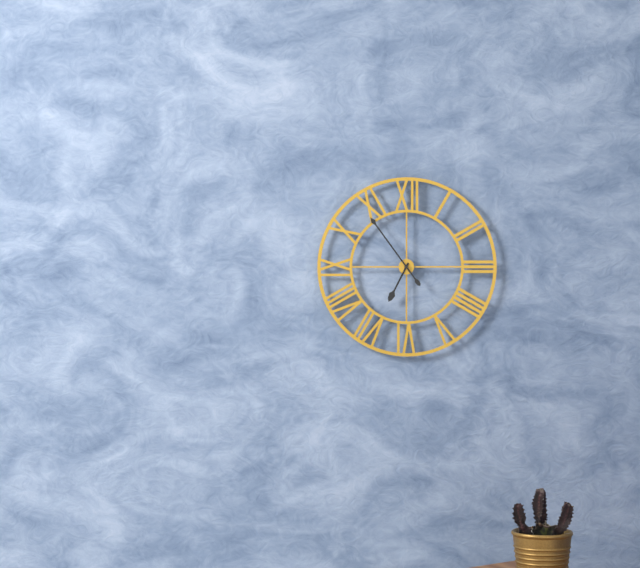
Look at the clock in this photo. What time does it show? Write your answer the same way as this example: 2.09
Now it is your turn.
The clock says 6.54
